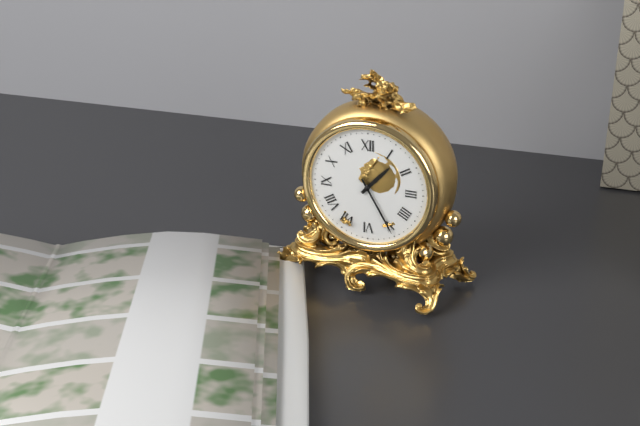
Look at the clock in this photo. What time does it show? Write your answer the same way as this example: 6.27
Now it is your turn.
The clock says 1.25
